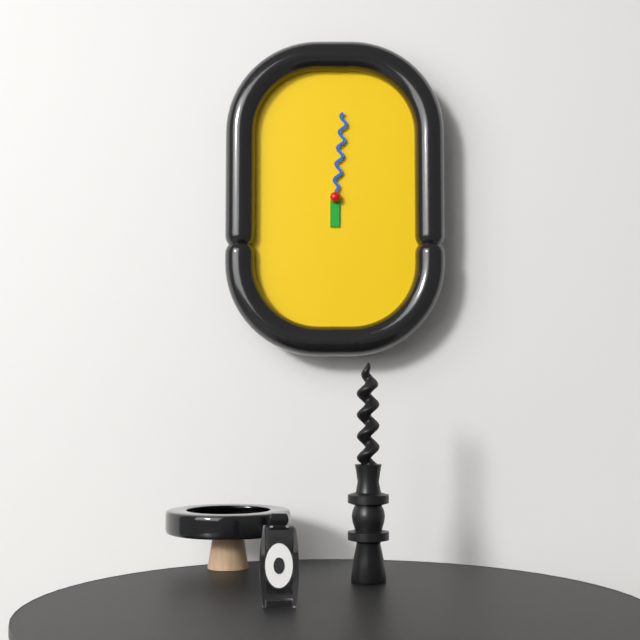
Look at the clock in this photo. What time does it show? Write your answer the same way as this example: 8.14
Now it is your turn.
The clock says 6.01
